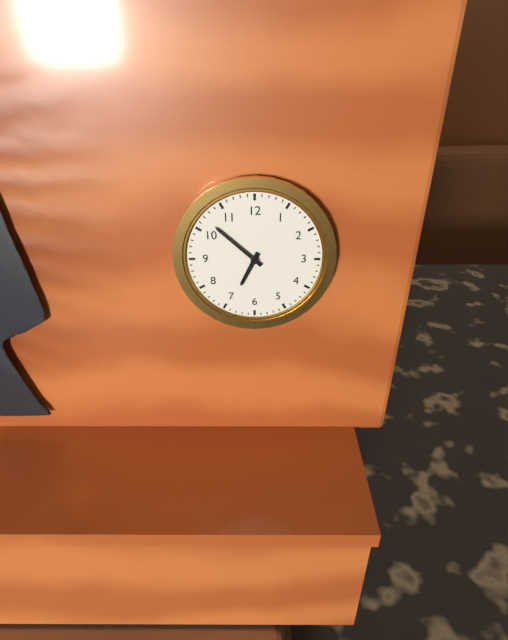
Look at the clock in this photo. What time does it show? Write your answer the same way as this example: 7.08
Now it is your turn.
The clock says 6.52
